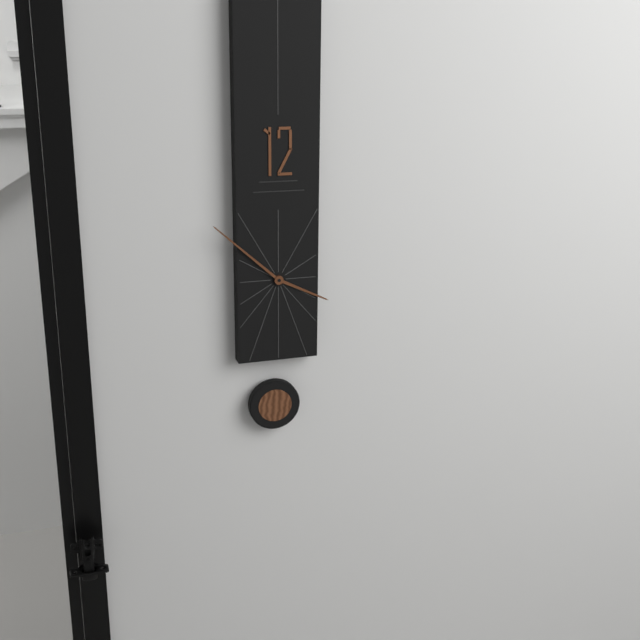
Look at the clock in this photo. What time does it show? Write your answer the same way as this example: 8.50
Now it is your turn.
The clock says 3.52
